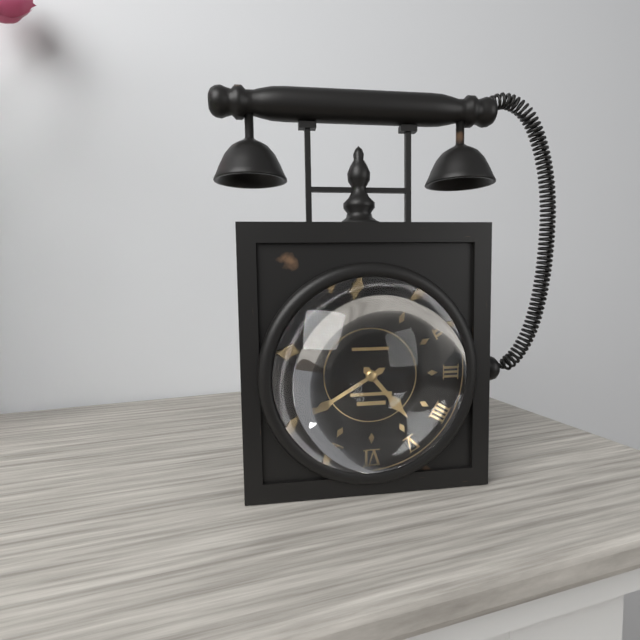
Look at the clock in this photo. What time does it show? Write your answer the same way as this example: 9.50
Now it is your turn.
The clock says 4.40
